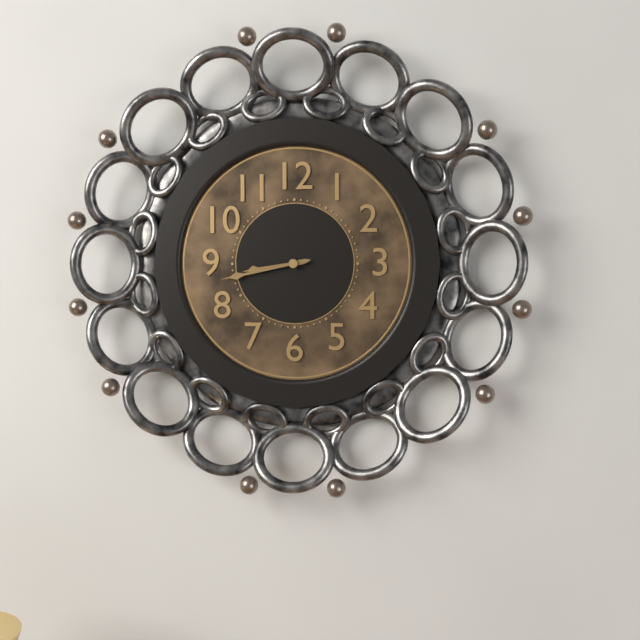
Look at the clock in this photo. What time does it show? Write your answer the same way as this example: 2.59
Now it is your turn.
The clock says 8.43
